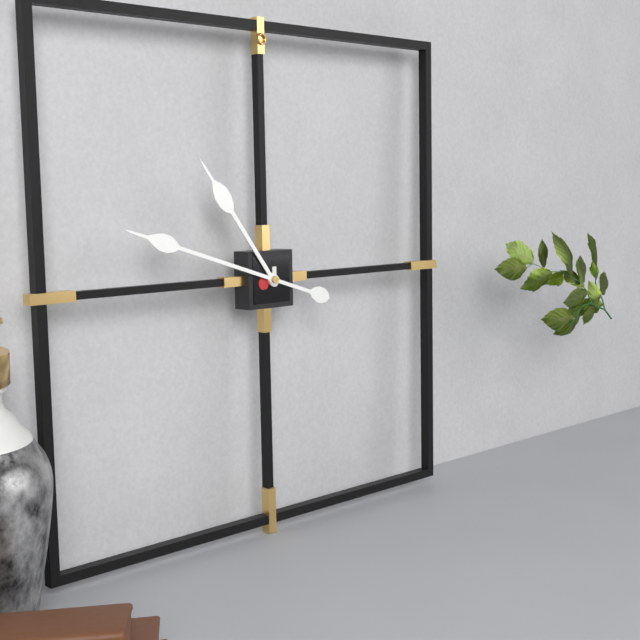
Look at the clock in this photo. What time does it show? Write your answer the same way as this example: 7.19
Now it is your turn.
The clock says 10.48
